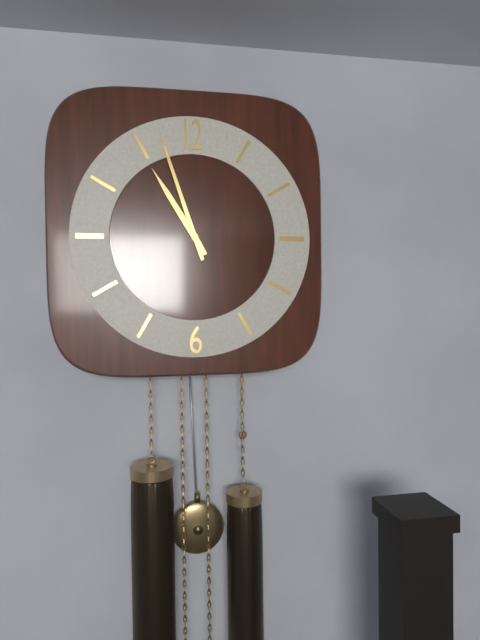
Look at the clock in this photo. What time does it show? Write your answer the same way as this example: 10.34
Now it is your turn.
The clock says 10.57
